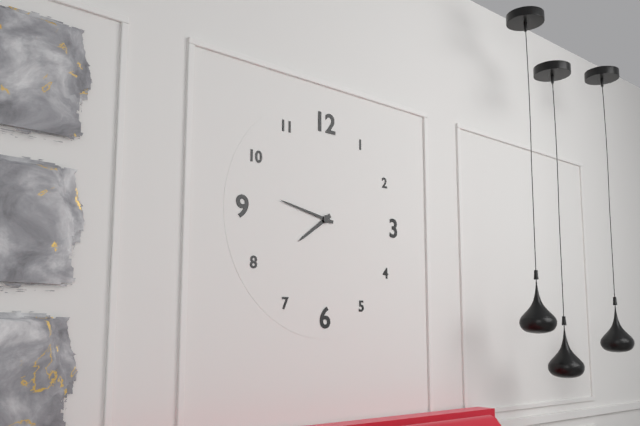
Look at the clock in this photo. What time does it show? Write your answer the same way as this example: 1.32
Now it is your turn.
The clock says 7.47
